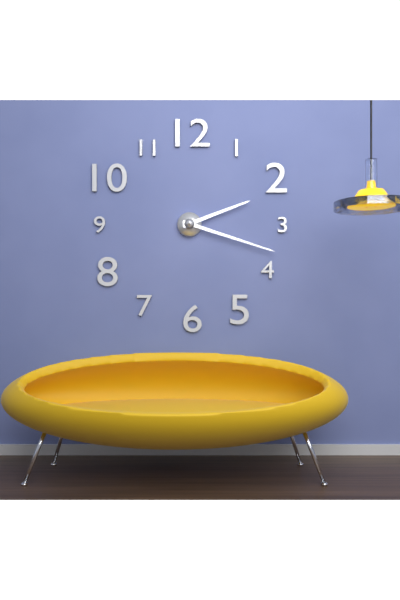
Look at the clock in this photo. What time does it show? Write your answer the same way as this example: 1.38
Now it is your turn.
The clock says 2.18
